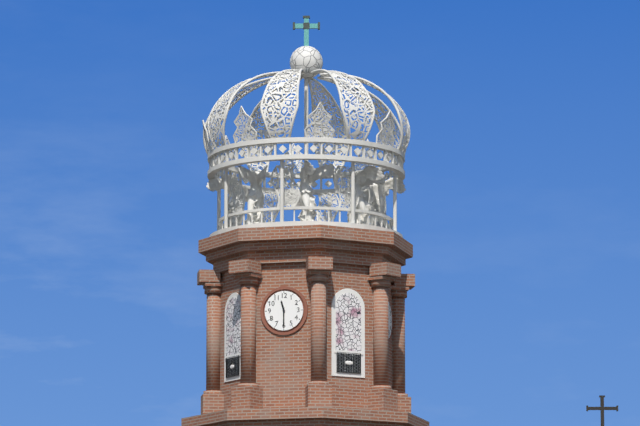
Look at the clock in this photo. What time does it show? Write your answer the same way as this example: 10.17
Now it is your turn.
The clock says 11.30
